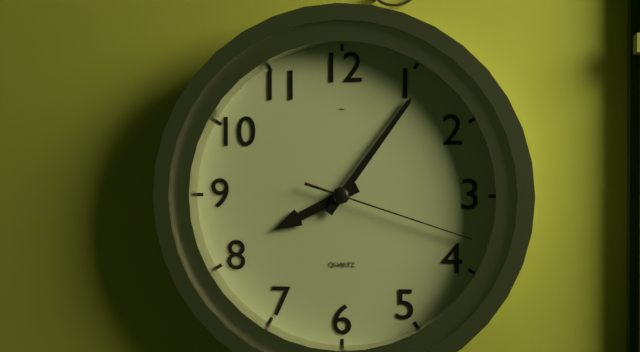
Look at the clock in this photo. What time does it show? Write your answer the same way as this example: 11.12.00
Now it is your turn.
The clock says 8.06.18
